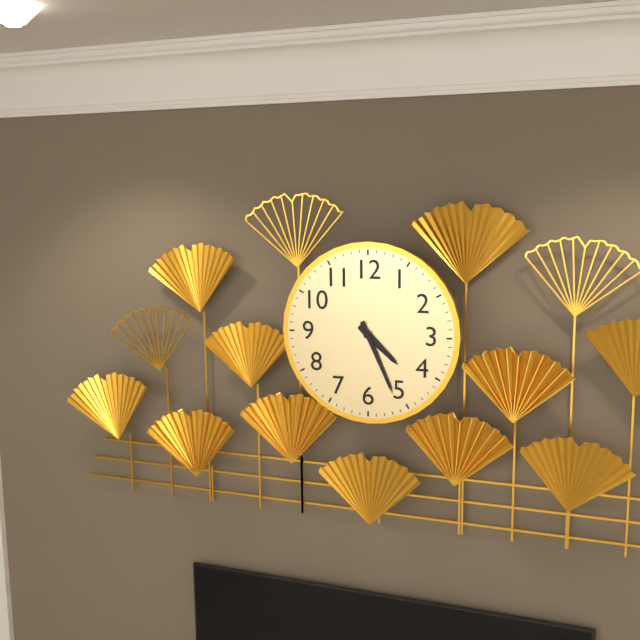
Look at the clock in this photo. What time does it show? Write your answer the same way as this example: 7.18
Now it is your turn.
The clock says 4.26
